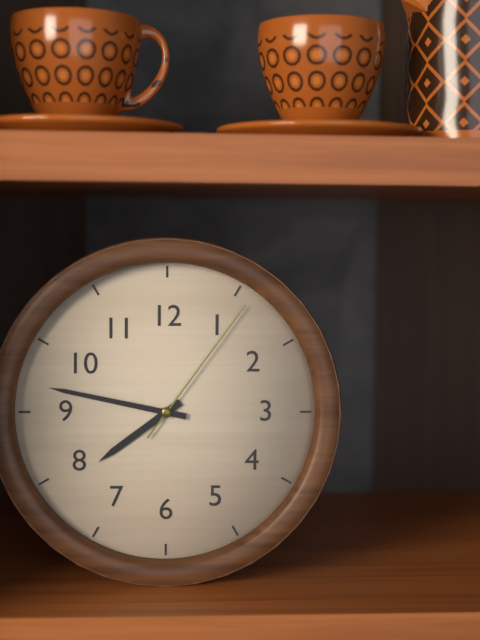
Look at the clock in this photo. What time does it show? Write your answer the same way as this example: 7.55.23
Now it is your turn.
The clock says 7.47.06
